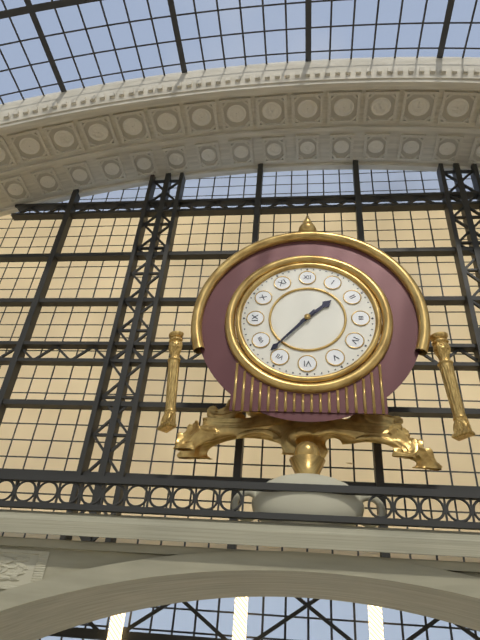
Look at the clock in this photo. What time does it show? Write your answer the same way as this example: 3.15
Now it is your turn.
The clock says 1.37
